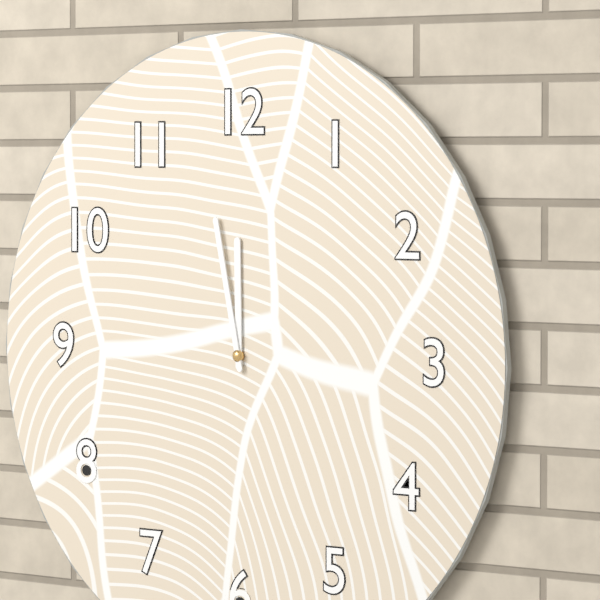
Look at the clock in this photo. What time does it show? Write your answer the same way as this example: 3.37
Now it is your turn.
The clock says 11.58
